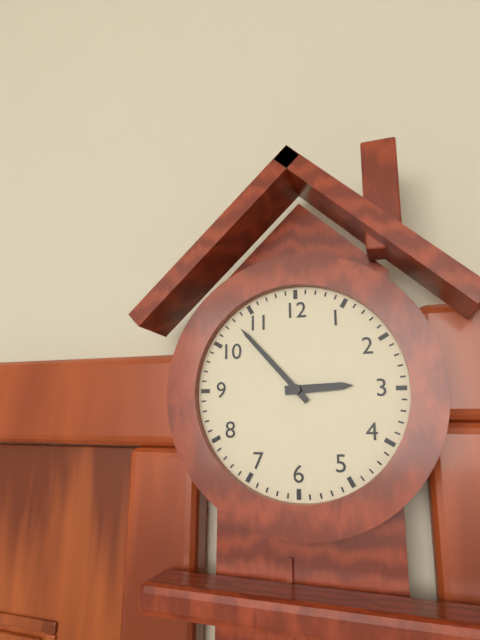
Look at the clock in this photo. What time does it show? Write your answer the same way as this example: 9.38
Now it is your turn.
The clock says 2.53
